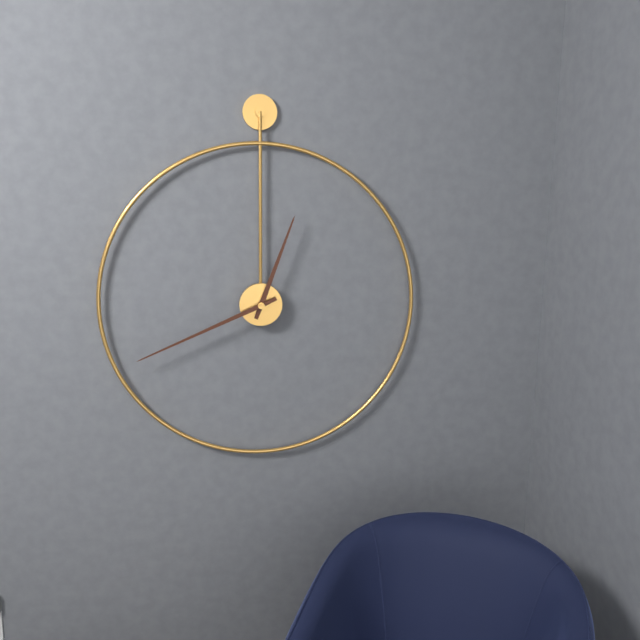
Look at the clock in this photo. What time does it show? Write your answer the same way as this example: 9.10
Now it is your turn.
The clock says 12.41
